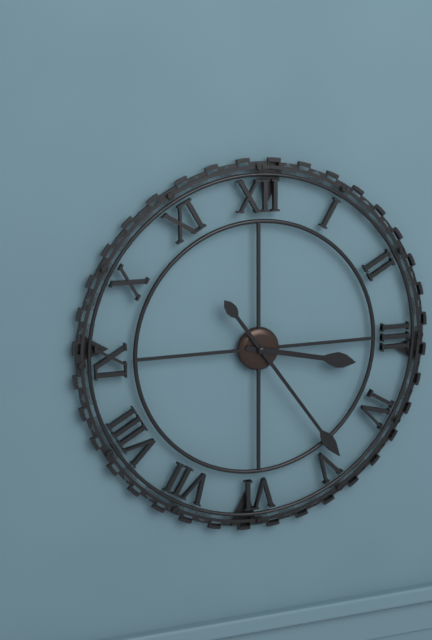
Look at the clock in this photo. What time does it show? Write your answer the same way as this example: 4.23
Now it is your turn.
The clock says 3.24
